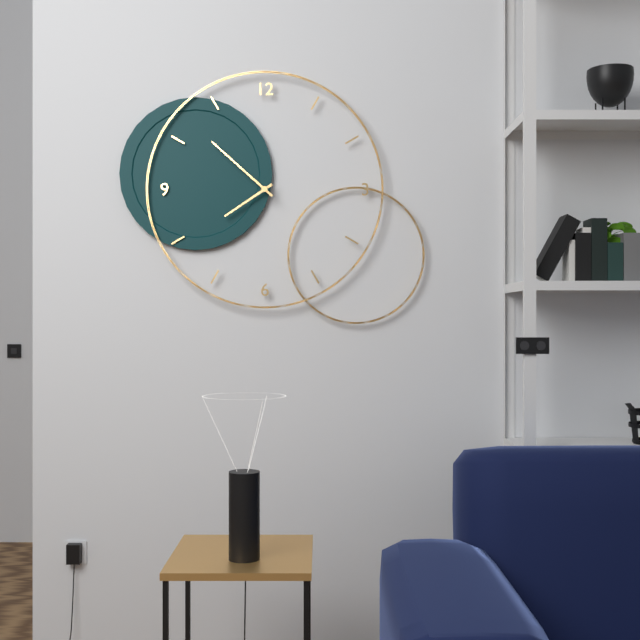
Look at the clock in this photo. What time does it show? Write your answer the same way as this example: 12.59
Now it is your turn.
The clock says 7.52
